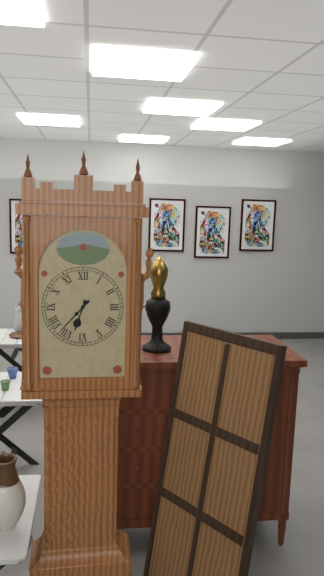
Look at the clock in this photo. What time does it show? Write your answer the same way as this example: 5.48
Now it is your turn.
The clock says 6.37
